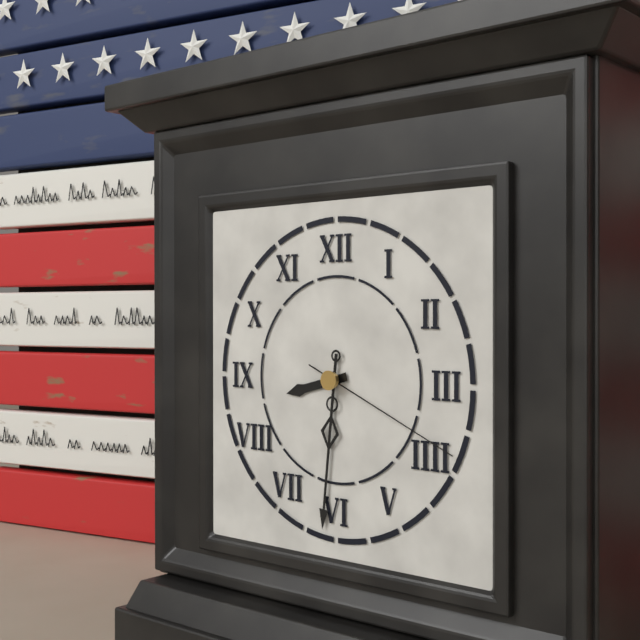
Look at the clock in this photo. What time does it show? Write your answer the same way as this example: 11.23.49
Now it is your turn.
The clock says 8.31.19
